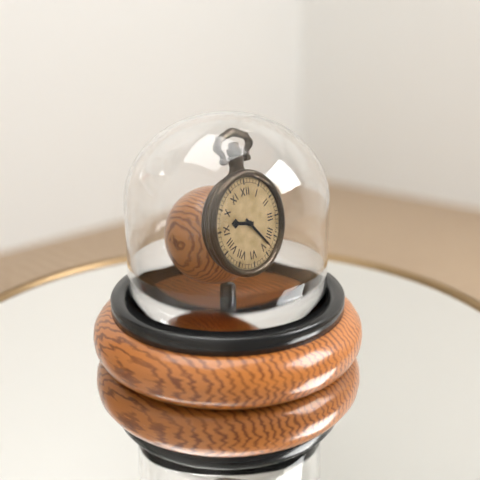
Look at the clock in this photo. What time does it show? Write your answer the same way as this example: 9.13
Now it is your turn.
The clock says 9.23
